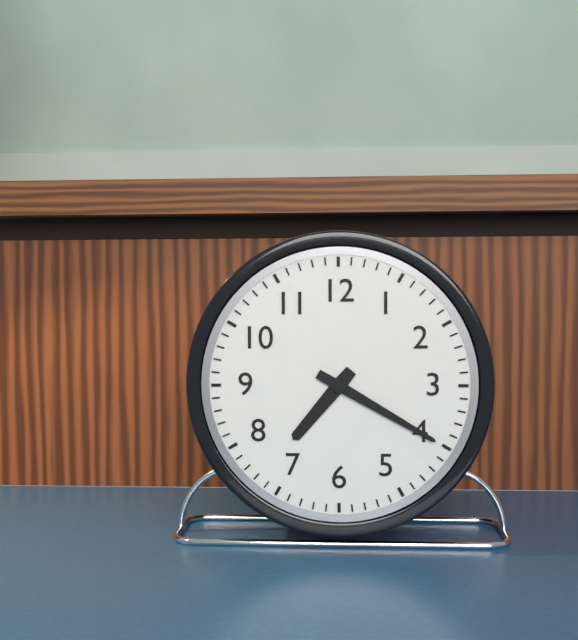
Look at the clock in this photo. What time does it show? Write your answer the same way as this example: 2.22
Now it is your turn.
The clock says 7.20
